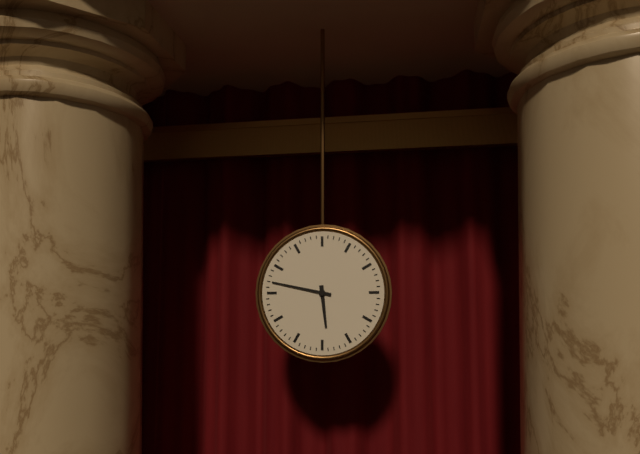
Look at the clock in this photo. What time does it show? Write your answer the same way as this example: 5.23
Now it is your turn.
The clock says 5.47
